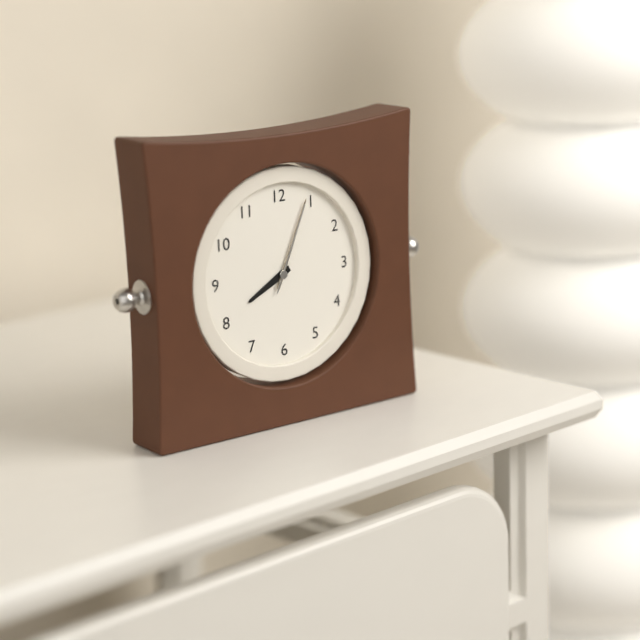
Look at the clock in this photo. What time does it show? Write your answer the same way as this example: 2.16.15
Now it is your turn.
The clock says 8.04.04
